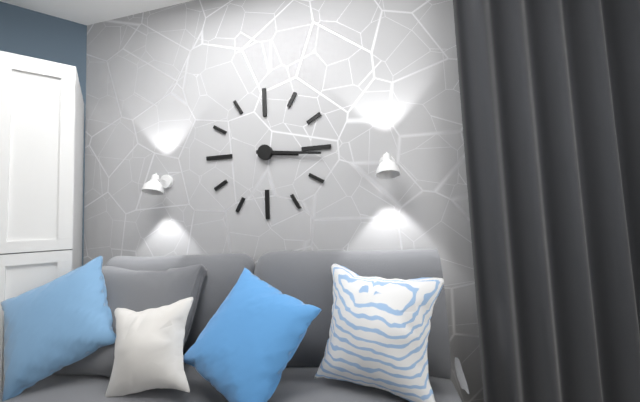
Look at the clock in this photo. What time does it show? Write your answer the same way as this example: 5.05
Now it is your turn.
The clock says 3.16
